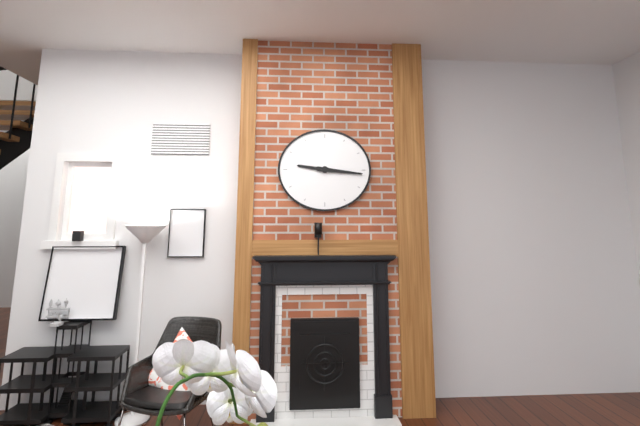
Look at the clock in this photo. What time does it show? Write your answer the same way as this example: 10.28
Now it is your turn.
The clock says 9.16
